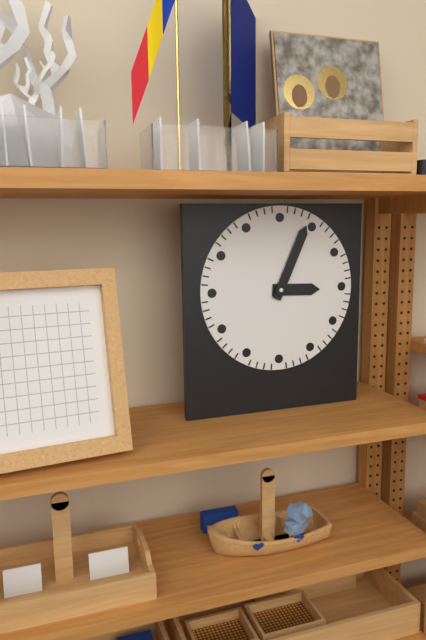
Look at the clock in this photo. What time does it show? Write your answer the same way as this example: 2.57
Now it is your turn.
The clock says 3.04
